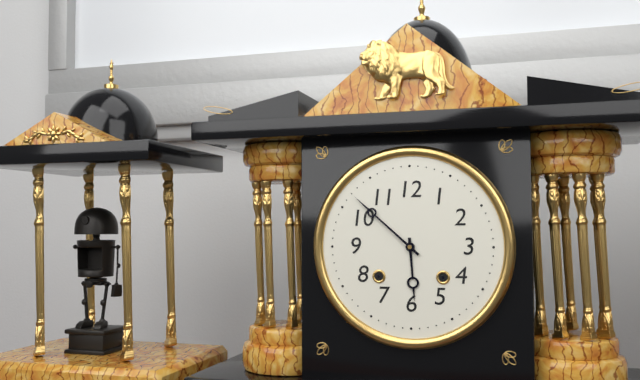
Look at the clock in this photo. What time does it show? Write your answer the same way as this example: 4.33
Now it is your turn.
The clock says 5.52
